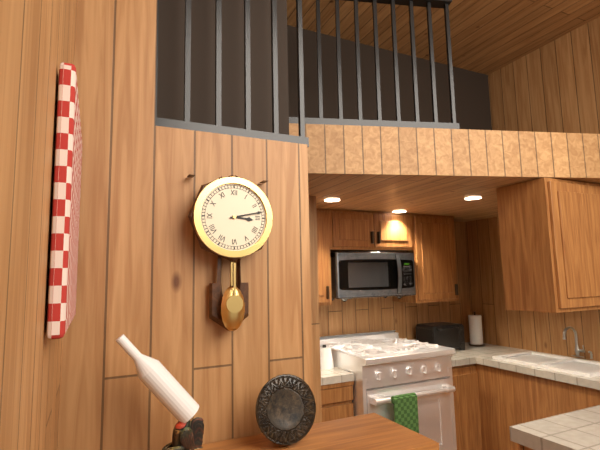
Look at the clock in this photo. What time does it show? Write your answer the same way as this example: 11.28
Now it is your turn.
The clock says 3.13
